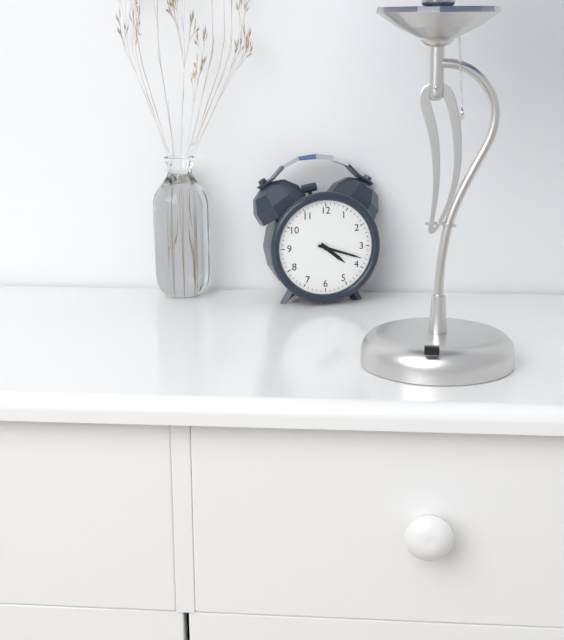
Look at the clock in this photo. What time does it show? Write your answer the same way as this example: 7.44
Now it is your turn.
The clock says 4.18
